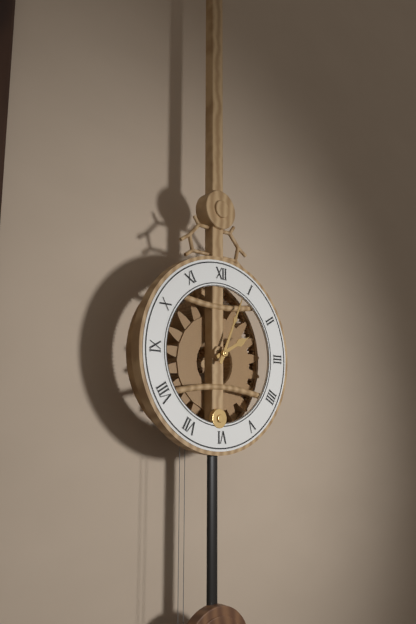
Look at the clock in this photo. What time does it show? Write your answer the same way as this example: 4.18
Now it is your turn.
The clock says 2.04
